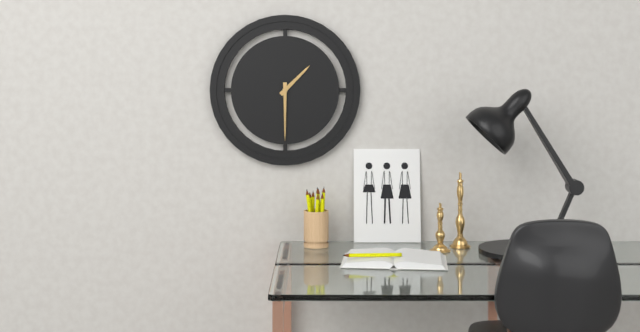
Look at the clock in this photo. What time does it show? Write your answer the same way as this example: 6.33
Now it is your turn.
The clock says 1.30
